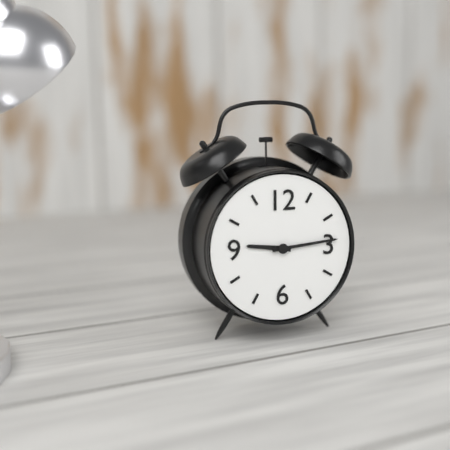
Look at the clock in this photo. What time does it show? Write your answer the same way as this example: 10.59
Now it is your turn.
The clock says 9.14
